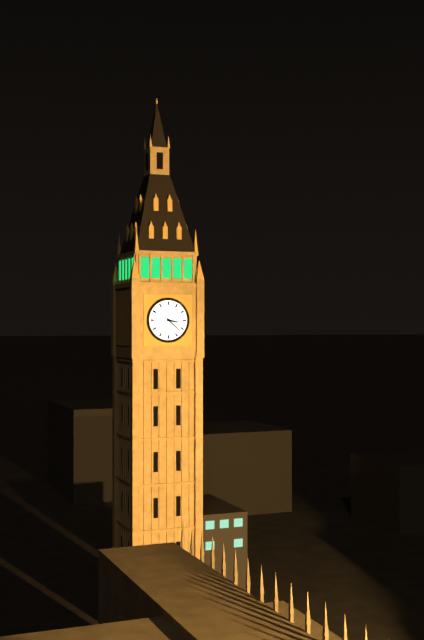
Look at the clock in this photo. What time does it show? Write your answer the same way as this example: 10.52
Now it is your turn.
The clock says 3.22
